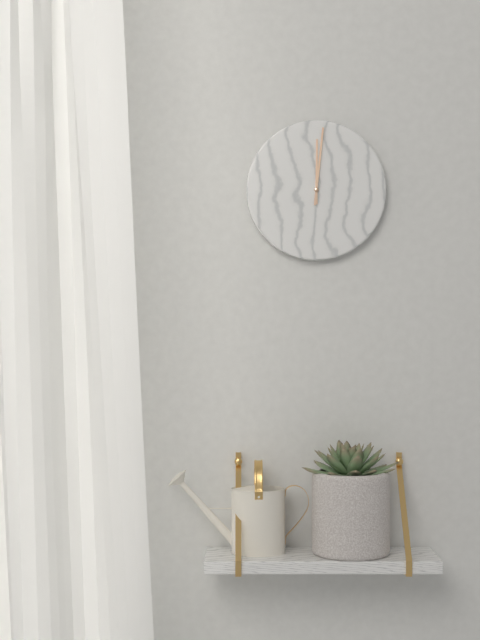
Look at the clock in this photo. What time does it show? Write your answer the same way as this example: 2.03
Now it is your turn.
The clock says 12.01
